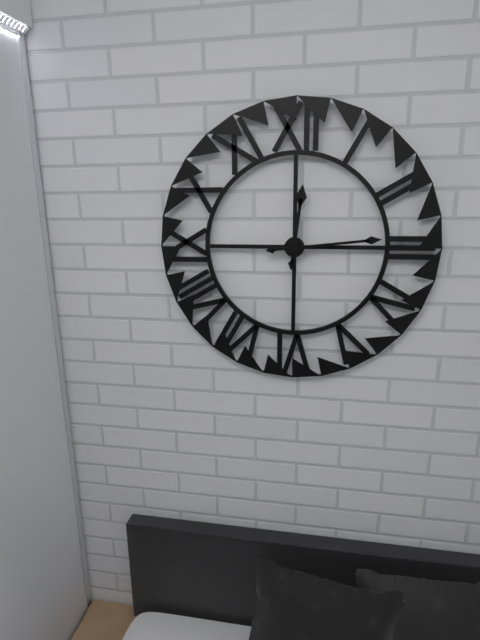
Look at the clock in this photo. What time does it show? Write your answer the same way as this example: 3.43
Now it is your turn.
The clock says 12.14
